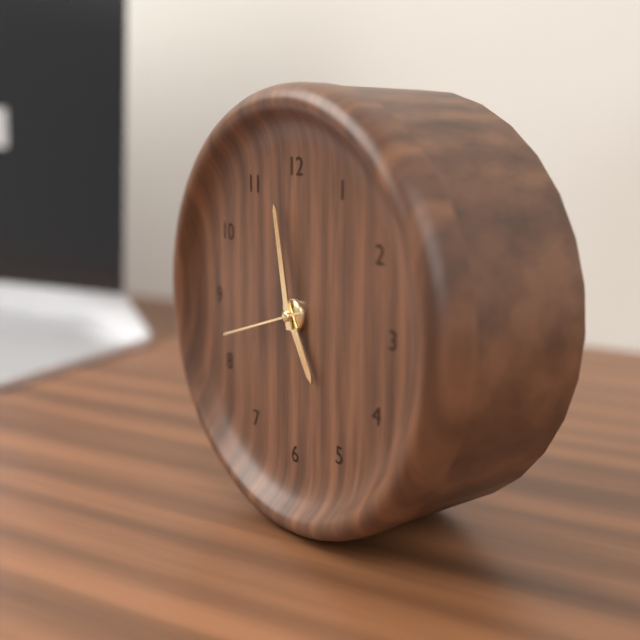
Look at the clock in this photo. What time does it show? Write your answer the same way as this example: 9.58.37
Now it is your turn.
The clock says 4.58.42
